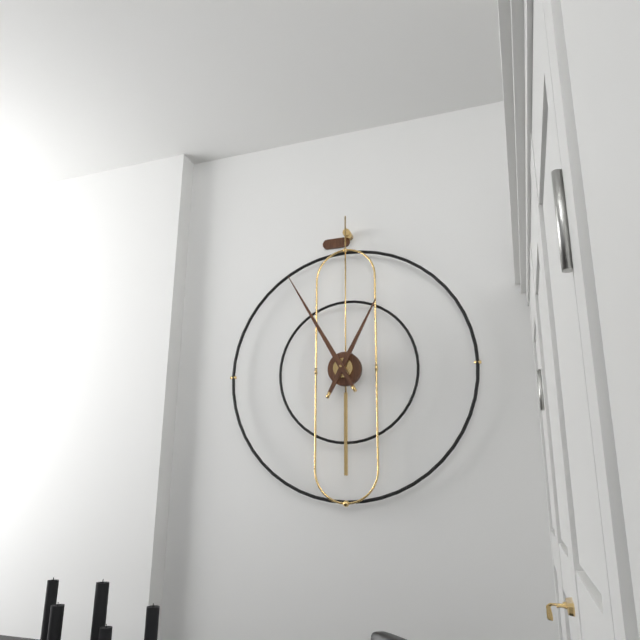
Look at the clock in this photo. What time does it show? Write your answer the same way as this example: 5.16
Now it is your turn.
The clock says 12.55
